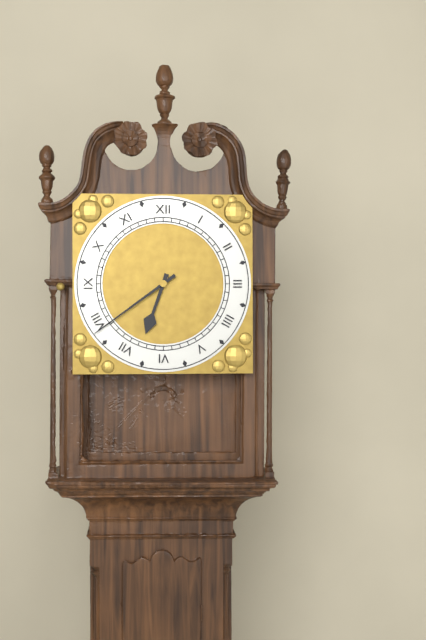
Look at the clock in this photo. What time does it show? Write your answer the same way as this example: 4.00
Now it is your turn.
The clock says 6.39
